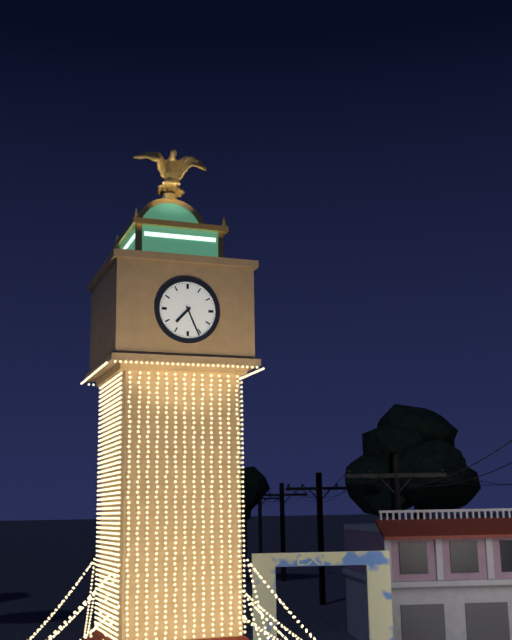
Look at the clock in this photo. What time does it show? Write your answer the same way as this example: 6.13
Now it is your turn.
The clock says 7.26
